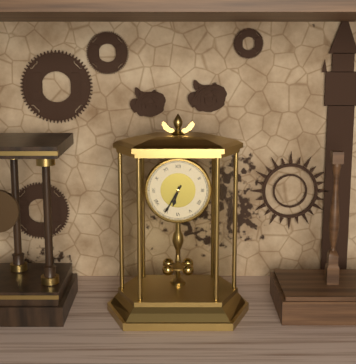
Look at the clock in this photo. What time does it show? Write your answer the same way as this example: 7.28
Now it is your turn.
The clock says 6.35
